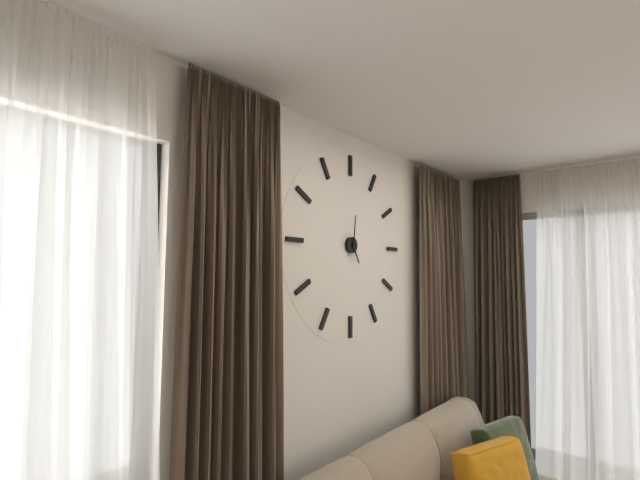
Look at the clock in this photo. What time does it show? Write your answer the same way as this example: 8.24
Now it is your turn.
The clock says 5.01
